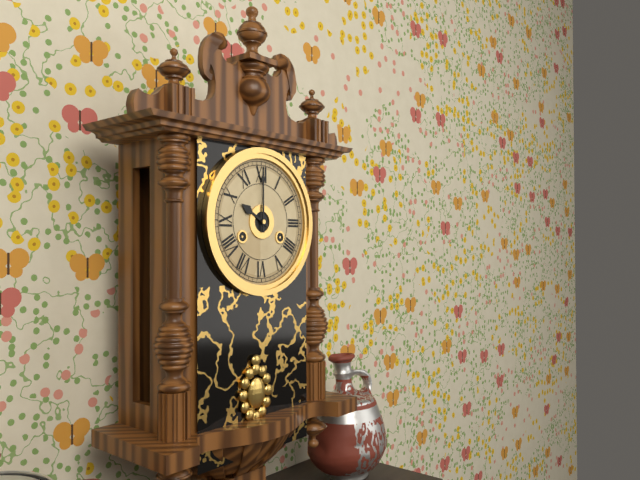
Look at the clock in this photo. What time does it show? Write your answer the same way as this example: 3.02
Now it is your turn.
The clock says 10.00
